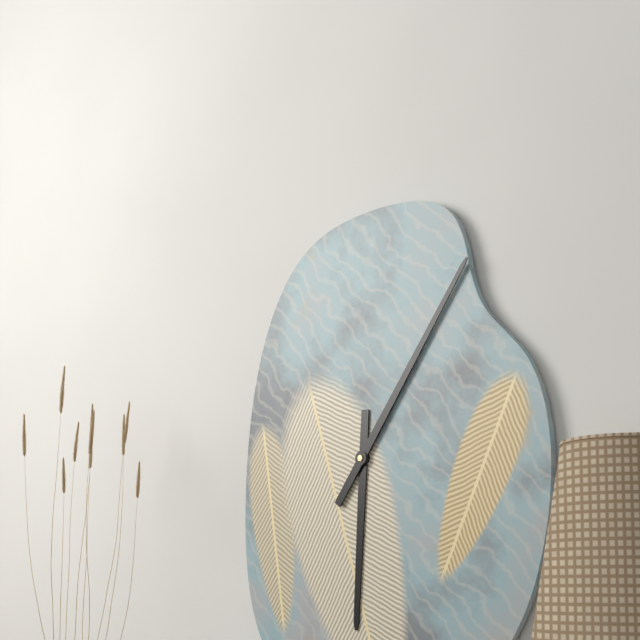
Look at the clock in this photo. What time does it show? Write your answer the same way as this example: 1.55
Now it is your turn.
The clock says 6.06
